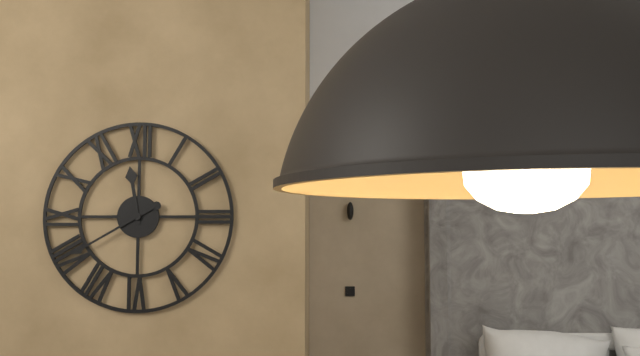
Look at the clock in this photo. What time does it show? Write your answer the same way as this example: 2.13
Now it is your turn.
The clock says 11.40
